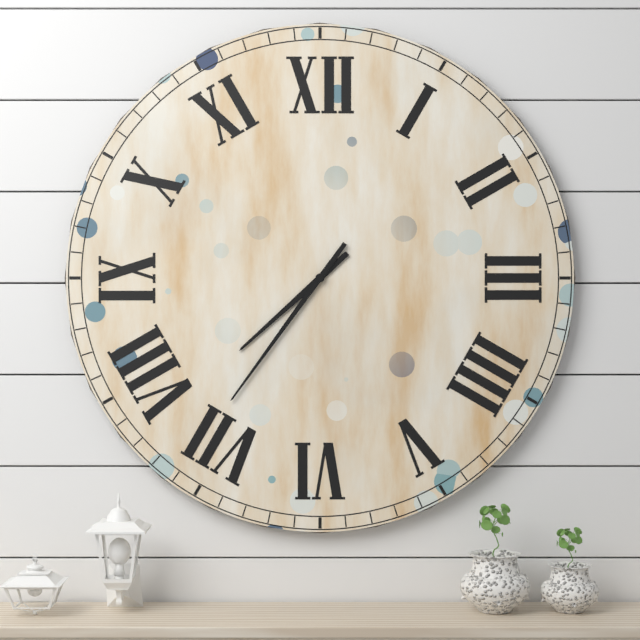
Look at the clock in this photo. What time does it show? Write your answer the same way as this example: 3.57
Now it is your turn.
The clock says 7.36
